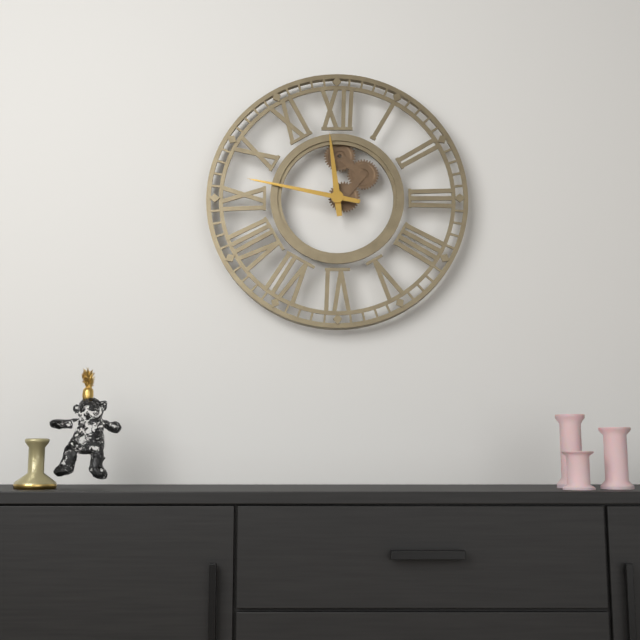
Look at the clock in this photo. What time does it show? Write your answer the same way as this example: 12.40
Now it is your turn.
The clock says 11.47
